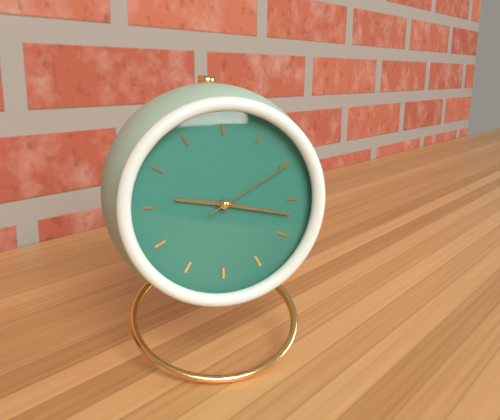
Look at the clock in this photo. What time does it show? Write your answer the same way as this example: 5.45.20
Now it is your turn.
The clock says 9.17.10
